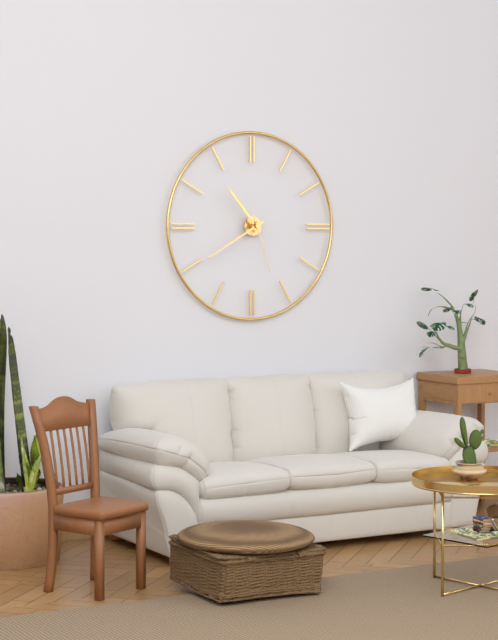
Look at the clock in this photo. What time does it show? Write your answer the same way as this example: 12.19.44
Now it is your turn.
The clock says 10.40.27
